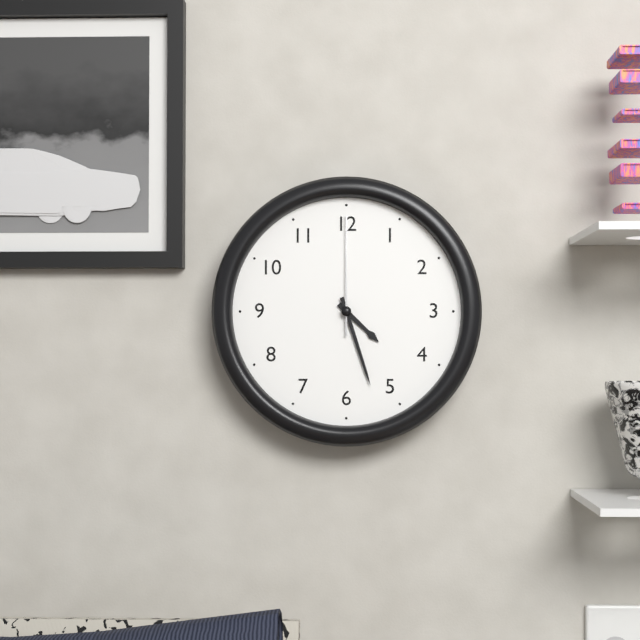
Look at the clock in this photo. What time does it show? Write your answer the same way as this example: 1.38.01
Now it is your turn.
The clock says 4.27.00
